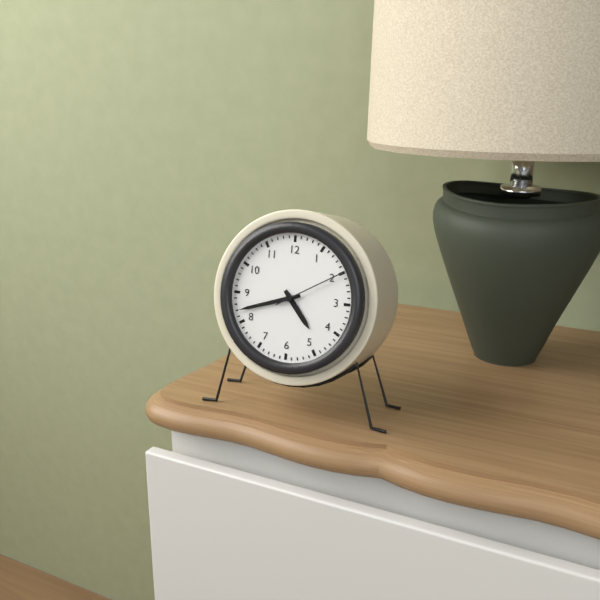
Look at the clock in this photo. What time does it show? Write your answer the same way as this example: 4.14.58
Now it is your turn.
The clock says 4.42.10
